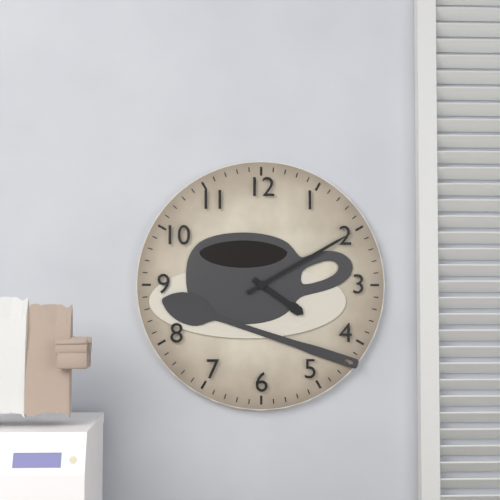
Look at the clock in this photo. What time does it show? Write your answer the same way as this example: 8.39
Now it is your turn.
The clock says 4.10
